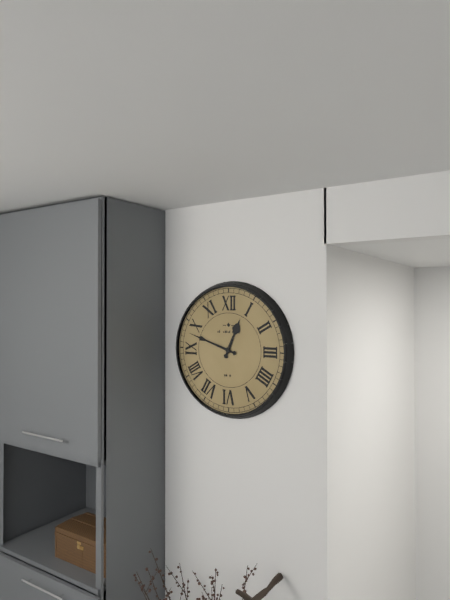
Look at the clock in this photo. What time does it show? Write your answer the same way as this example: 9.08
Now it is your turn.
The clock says 12.48
